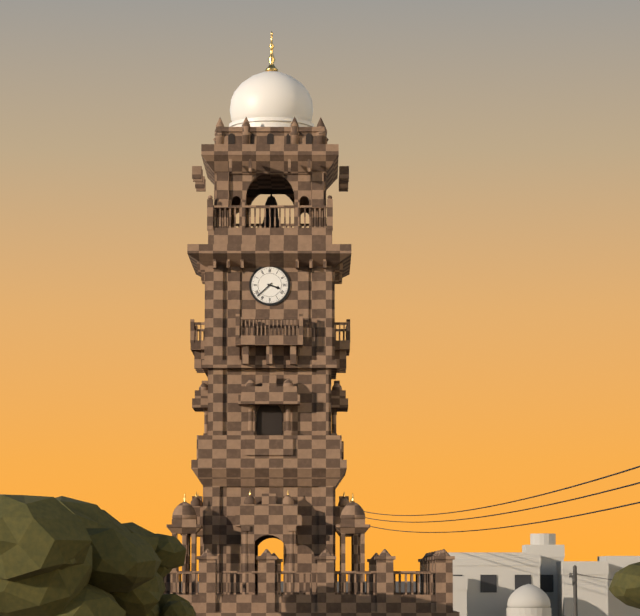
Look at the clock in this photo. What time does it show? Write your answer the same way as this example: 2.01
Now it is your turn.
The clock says 3.38
